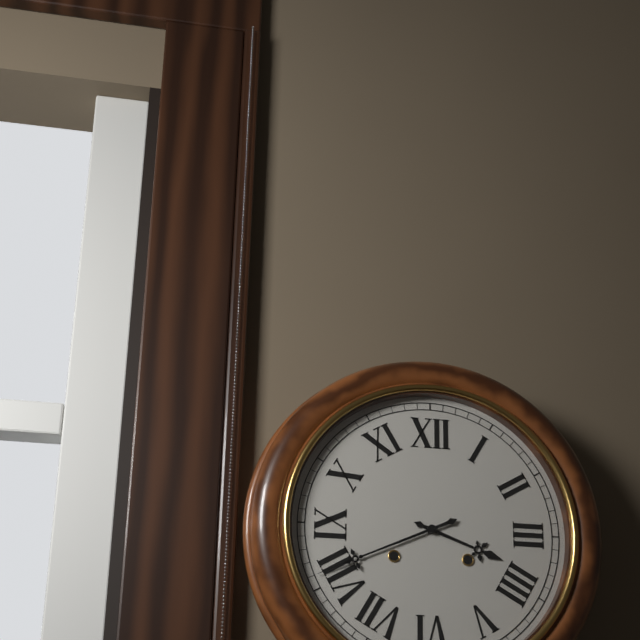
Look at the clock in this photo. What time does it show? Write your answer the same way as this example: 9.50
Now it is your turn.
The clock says 3.41
